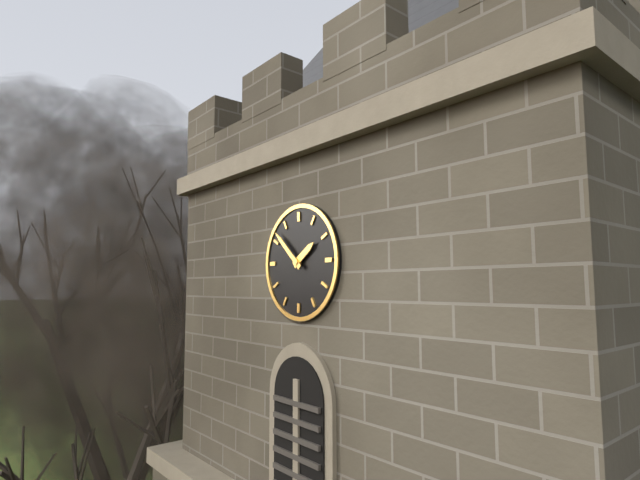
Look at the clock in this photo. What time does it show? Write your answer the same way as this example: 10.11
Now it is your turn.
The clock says 1.52
